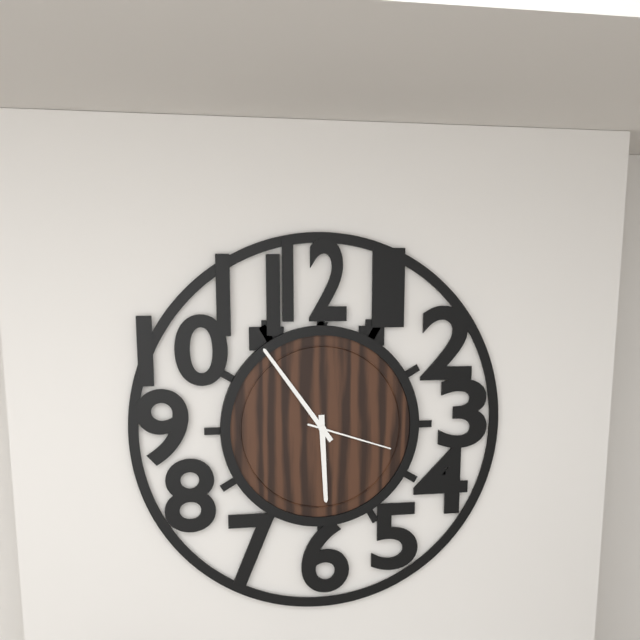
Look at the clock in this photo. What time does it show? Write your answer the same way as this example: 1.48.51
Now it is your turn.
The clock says 5.54.18
